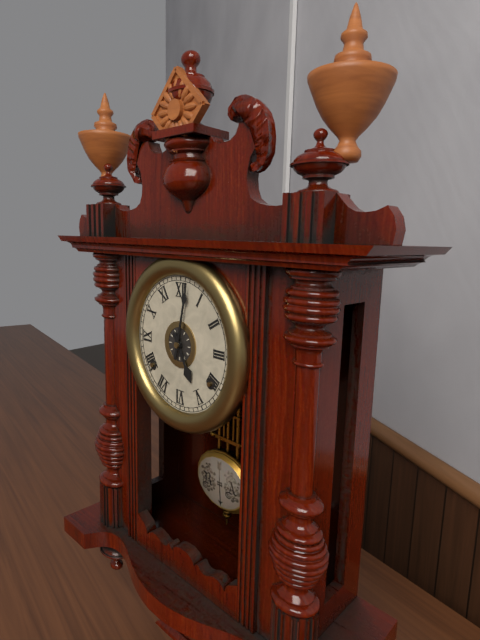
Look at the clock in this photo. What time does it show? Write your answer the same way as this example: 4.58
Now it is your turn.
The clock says 5.02
